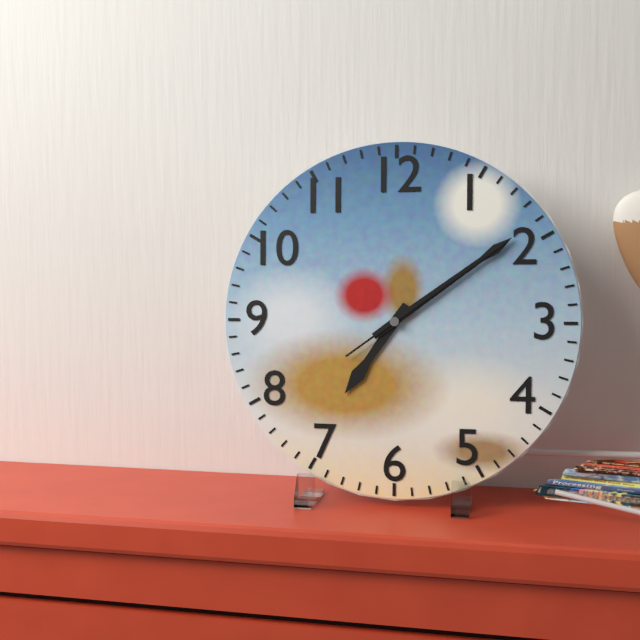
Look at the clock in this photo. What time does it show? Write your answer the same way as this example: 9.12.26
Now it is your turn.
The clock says 7.09.09
